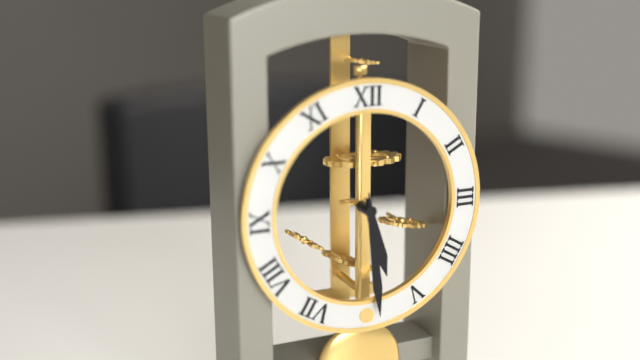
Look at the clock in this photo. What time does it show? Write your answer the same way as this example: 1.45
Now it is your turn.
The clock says 5.29
